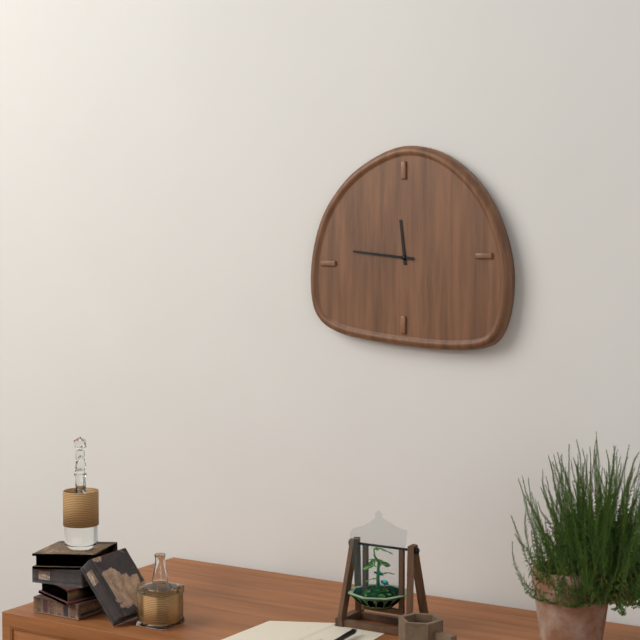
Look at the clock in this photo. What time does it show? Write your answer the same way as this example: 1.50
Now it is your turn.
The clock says 11.46
